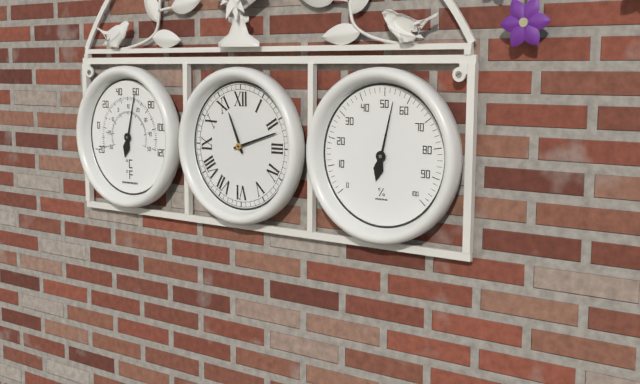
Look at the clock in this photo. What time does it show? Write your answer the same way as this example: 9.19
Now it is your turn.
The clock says 11.12
